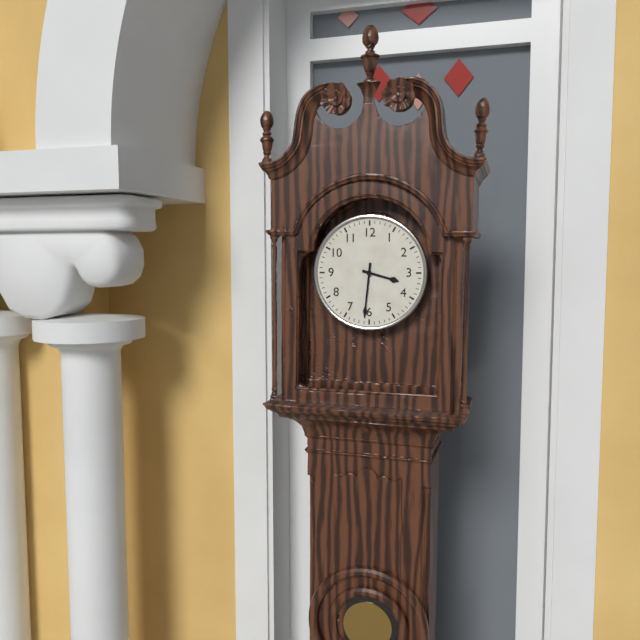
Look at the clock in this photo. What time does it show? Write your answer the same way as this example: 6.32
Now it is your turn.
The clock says 3.31
